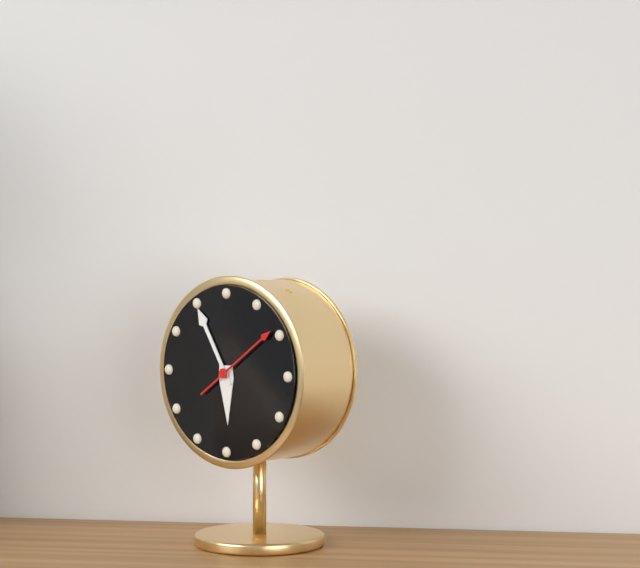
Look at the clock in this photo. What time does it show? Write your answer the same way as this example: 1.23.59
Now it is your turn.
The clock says 5.55.09
